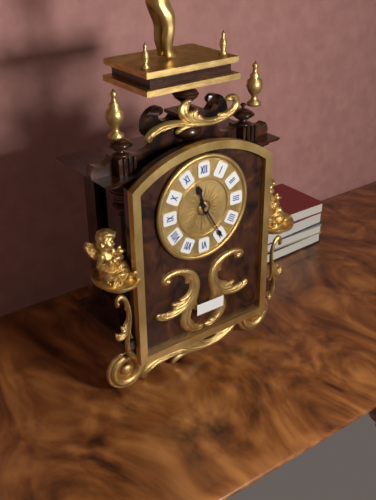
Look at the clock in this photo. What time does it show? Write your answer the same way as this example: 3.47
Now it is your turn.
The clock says 11.25
